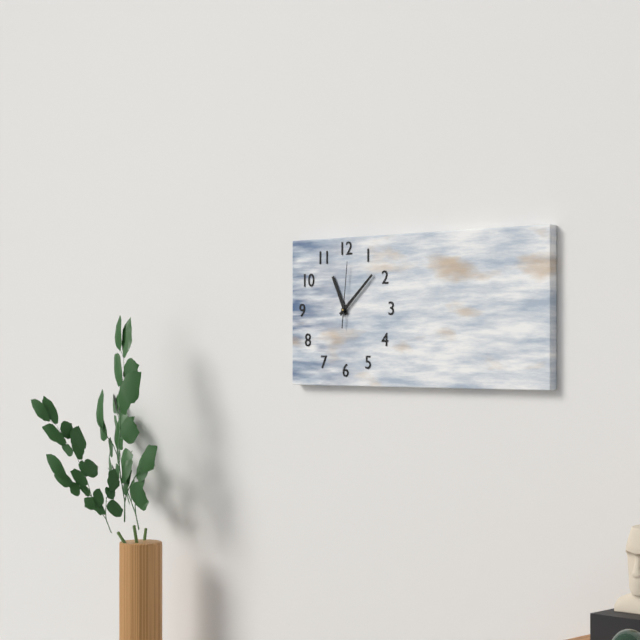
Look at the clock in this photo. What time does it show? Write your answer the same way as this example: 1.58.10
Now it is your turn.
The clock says 11.08.01
